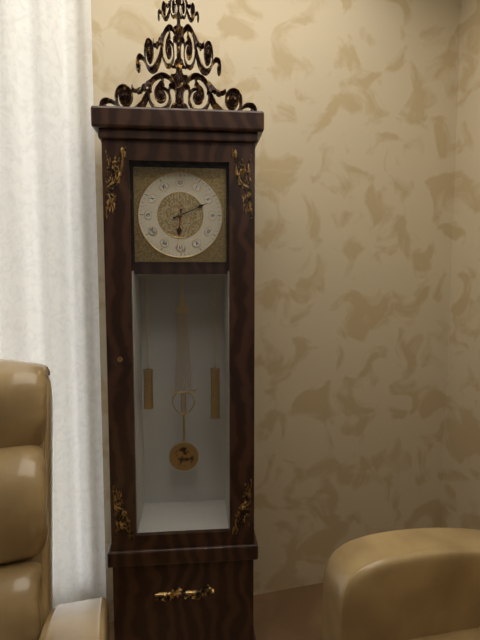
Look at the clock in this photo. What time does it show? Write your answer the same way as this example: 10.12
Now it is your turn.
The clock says 6.11
